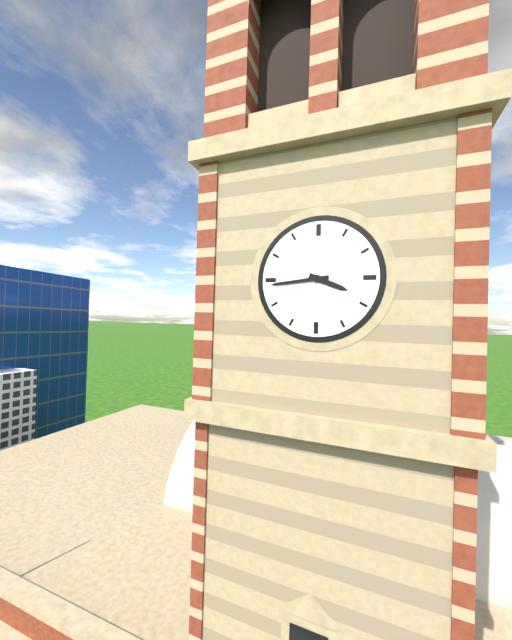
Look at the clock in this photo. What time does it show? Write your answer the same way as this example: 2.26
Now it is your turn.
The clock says 3.44
